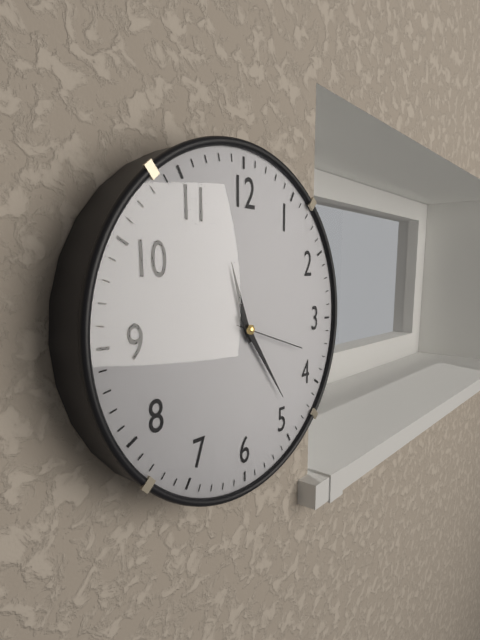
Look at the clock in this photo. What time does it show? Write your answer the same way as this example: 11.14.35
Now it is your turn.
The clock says 11.24.18
